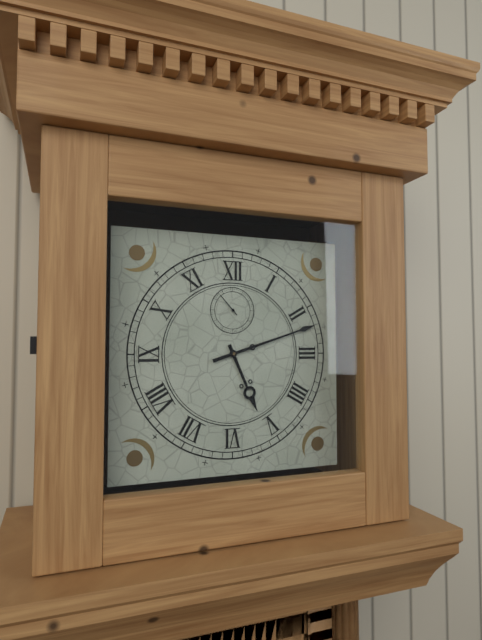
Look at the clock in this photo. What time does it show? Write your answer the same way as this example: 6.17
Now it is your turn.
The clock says 5.12
